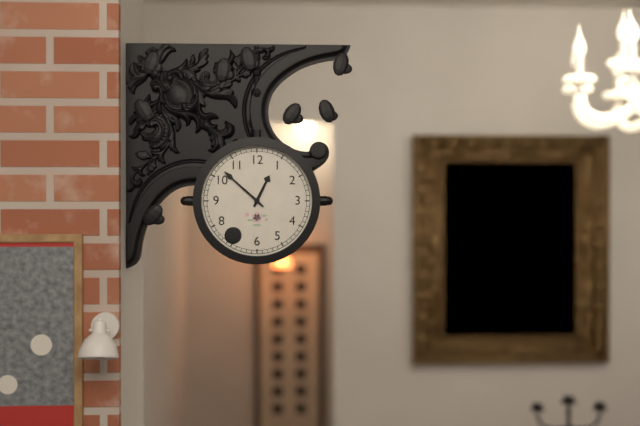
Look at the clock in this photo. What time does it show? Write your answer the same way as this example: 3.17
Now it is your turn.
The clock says 12.52
